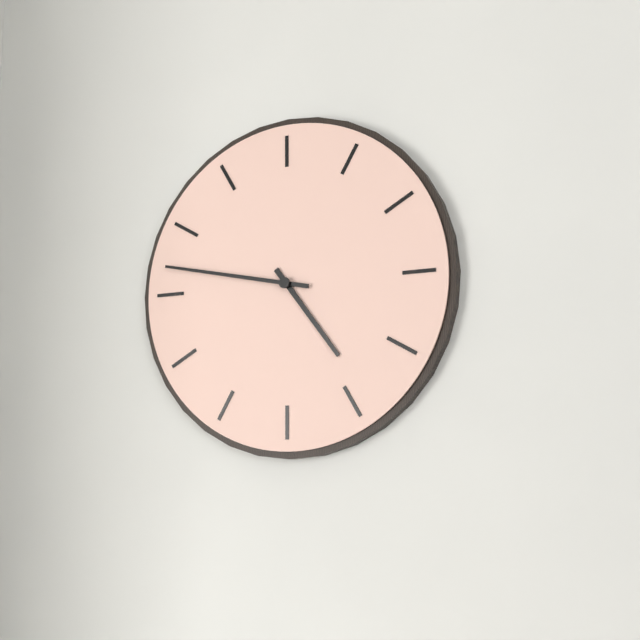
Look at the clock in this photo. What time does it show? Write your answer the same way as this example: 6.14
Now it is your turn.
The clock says 4.47
